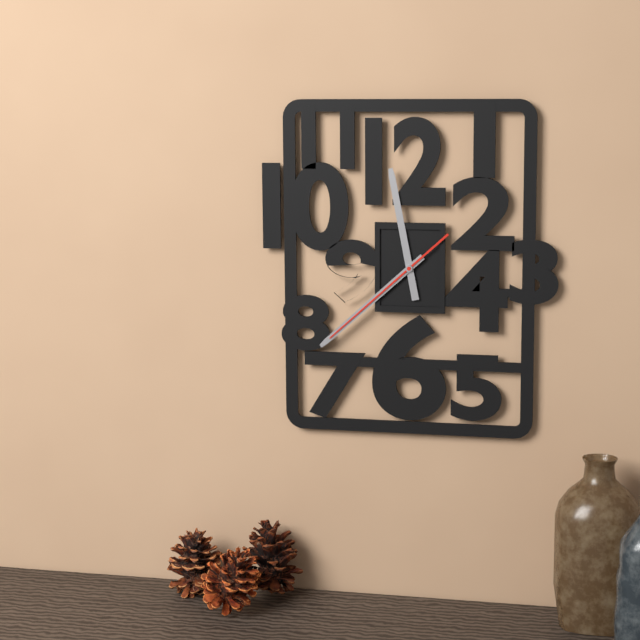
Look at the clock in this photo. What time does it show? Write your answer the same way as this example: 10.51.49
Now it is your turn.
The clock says 11.38.38
